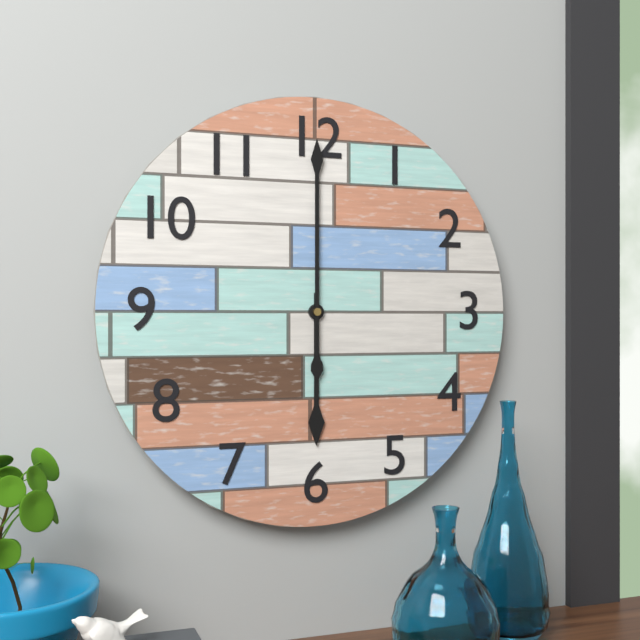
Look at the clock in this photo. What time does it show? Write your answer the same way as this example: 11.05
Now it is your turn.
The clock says 6.00
